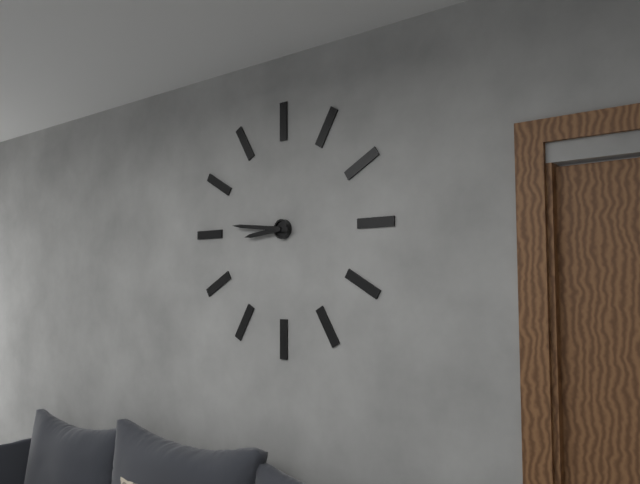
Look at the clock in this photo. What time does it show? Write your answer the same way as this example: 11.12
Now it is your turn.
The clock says 8.46
